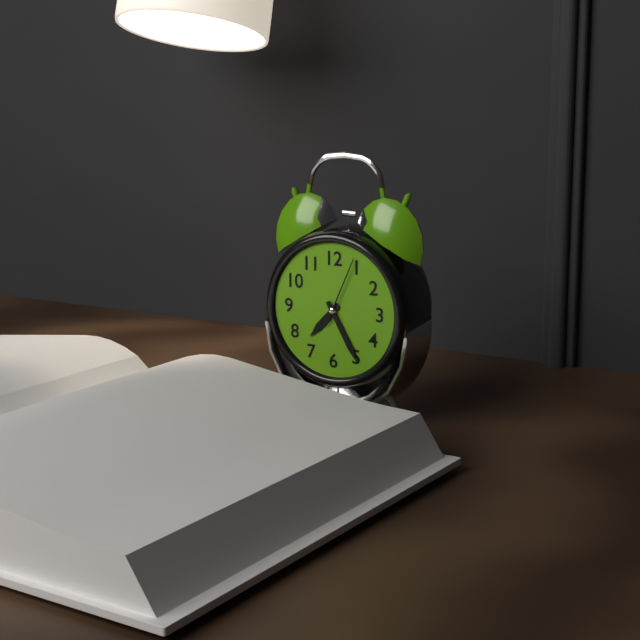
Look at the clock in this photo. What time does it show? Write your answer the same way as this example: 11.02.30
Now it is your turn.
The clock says 7.25.04
